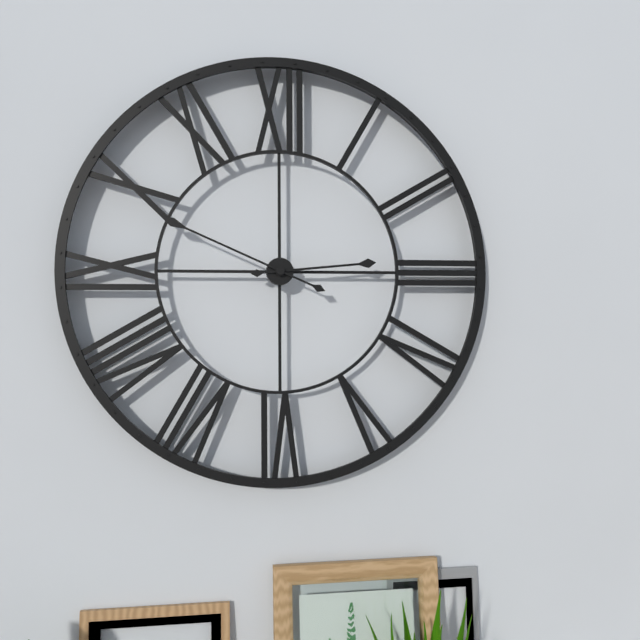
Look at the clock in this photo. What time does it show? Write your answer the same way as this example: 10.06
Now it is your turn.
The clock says 2.49
